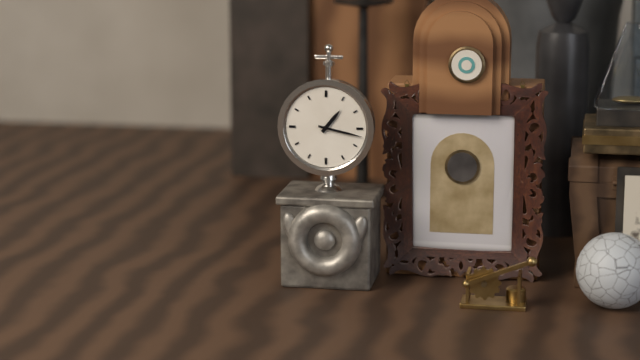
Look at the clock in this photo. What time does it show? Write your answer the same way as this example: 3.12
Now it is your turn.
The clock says 1.17
